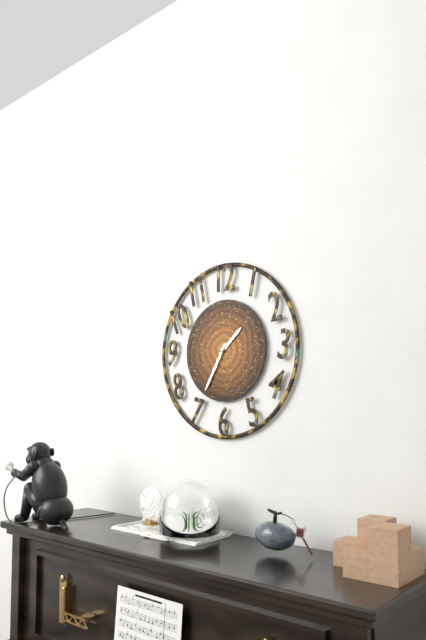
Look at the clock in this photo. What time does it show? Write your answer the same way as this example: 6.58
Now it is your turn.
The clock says 1.35
